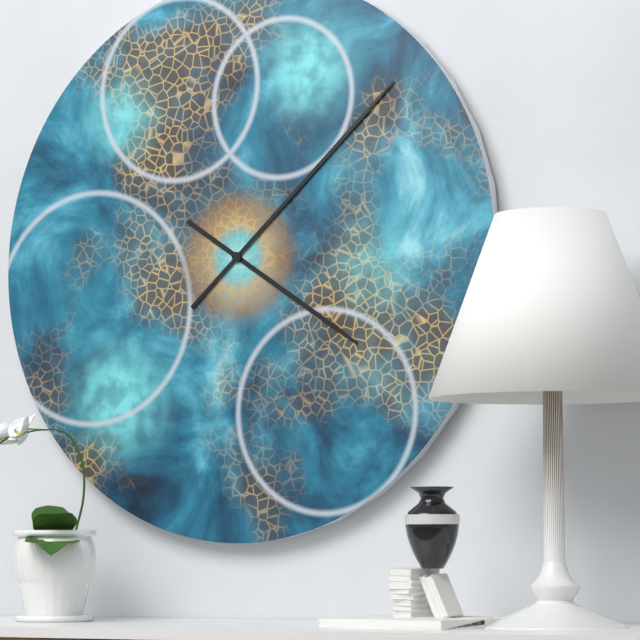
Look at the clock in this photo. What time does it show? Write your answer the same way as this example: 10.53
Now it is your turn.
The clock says 4.08
